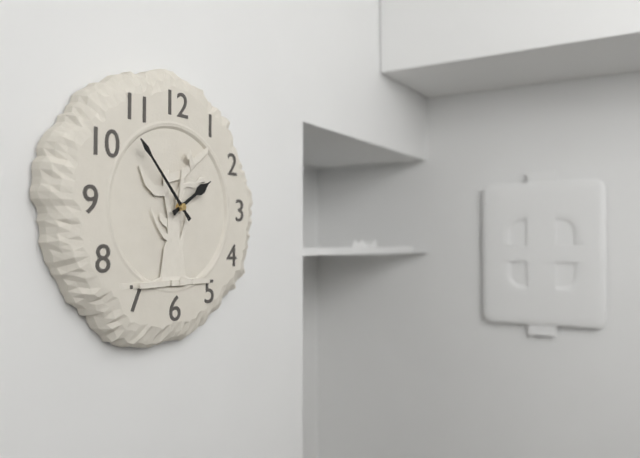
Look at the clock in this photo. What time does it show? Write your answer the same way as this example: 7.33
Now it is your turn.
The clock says 1.53
